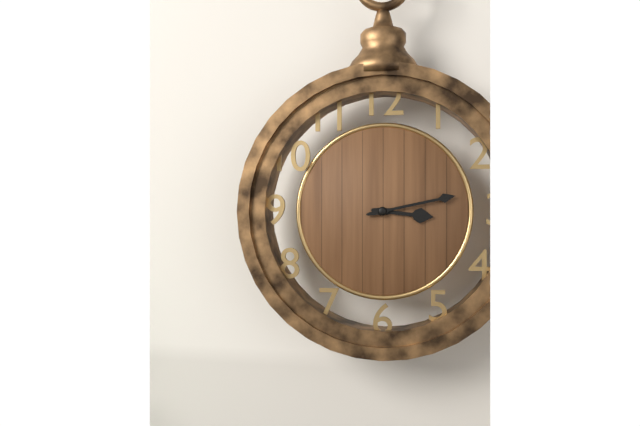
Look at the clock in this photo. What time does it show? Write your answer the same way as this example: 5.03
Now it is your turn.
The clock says 3.13
